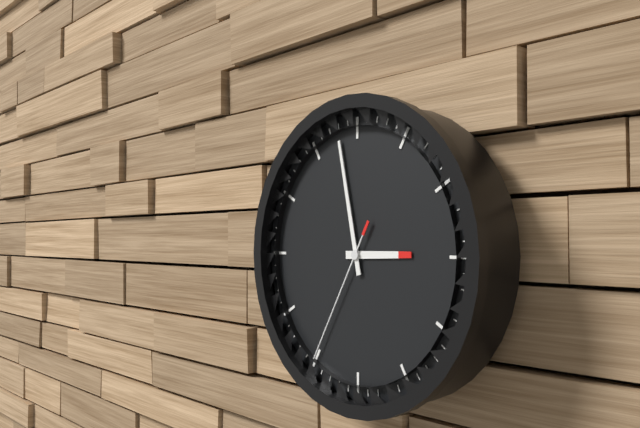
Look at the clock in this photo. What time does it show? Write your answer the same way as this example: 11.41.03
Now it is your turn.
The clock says 2.58.35
